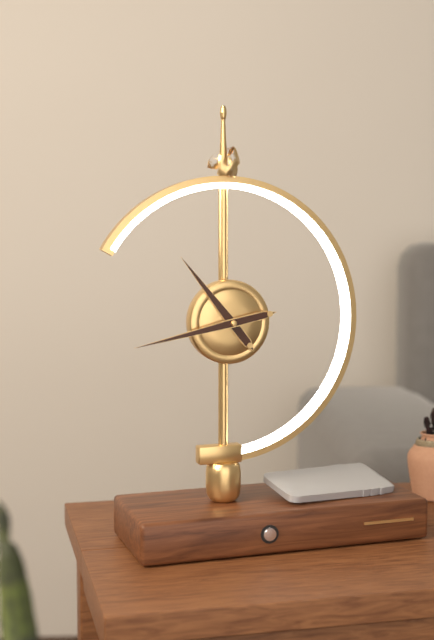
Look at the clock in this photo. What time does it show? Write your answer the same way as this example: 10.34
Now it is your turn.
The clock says 10.43
